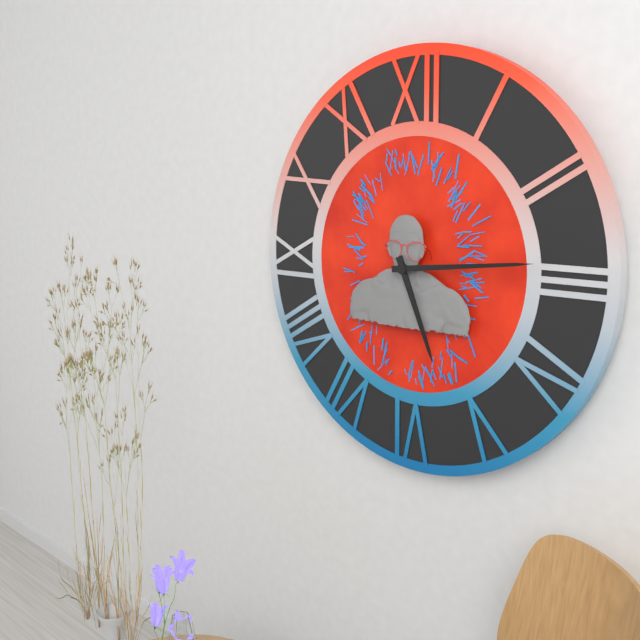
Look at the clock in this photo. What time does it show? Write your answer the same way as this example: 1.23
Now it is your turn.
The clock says 5.14
